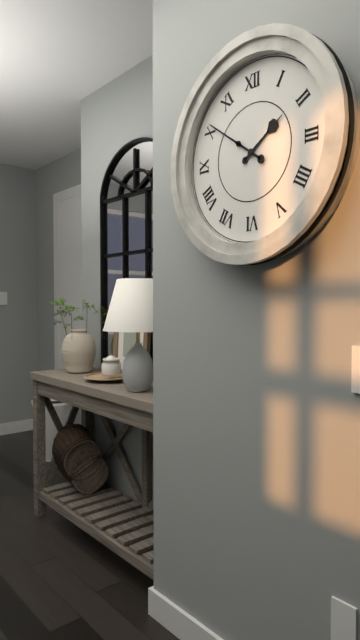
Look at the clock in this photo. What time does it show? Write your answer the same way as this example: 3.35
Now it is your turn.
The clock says 1.51
